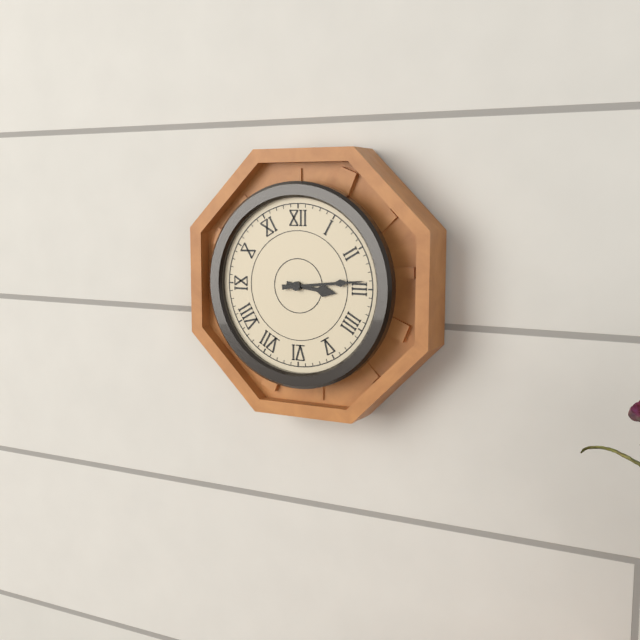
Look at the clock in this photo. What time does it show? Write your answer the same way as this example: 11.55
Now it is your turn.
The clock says 3.14
